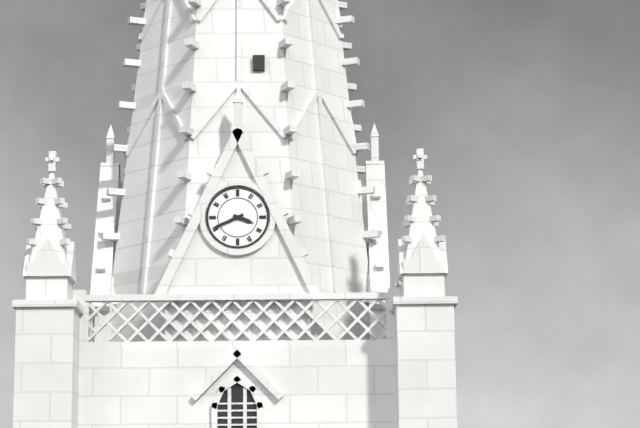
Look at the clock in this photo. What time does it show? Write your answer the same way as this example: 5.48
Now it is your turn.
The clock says 3.41
